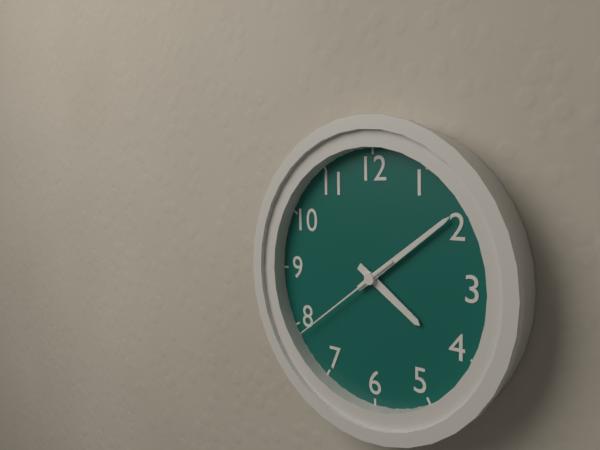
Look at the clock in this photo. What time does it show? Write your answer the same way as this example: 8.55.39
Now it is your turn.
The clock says 4.09.39
